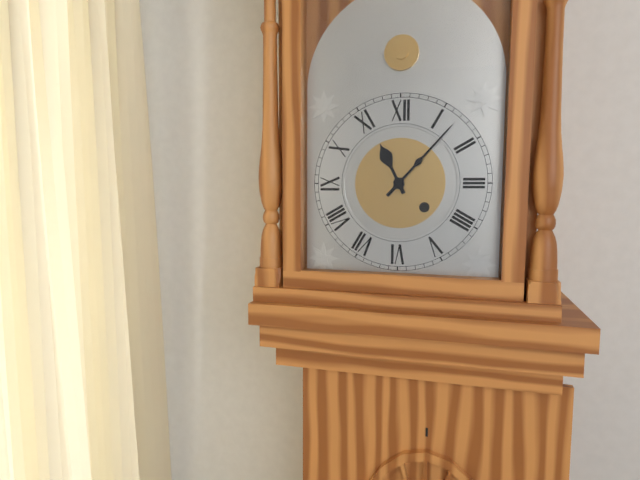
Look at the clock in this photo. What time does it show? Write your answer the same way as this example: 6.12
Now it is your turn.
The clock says 11.07
